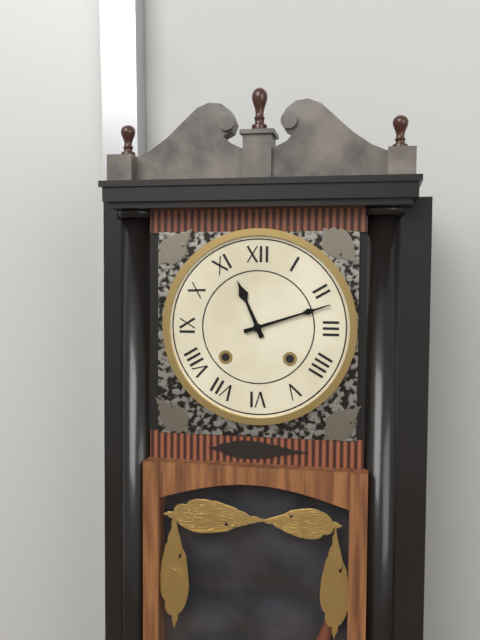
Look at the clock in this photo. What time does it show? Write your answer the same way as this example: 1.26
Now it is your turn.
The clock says 11.12
